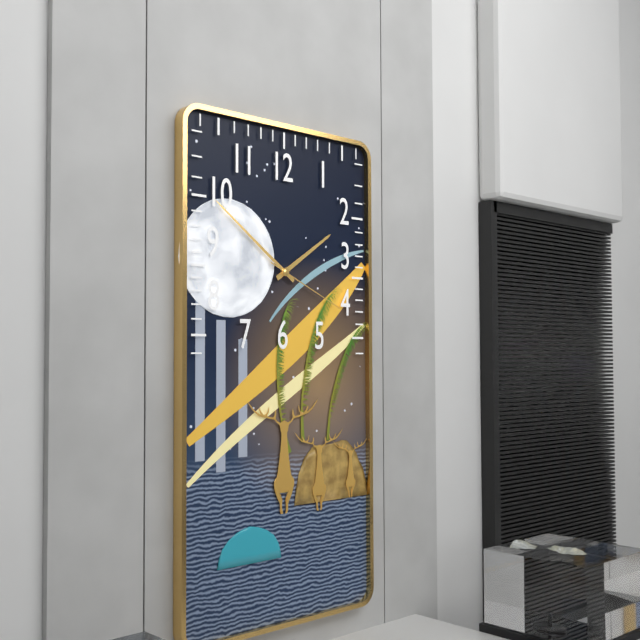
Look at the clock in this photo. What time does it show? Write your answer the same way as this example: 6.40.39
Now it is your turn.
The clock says 1.51.19
